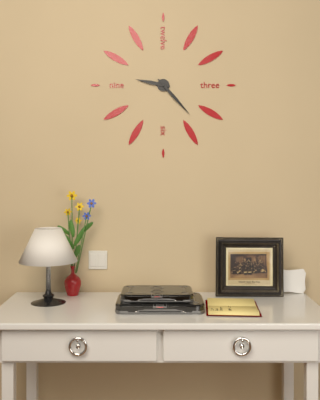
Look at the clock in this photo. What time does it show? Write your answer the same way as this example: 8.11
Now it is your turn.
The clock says 9.23
